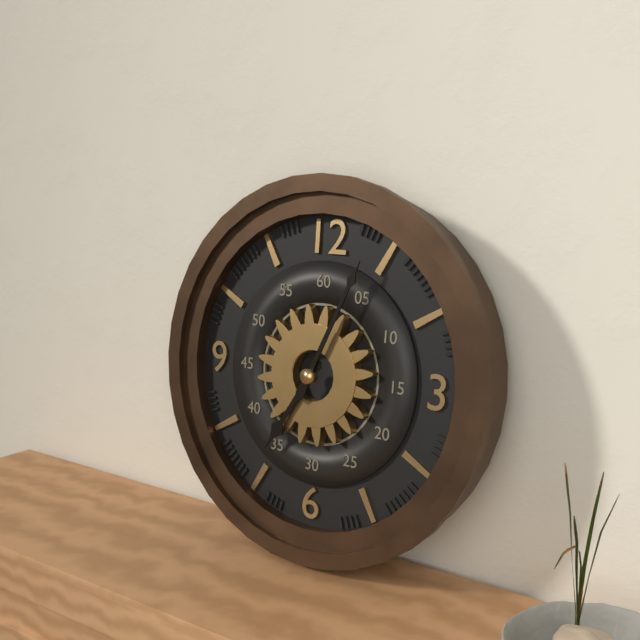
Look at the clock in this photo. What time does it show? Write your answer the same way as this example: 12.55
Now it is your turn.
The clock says 7.04
